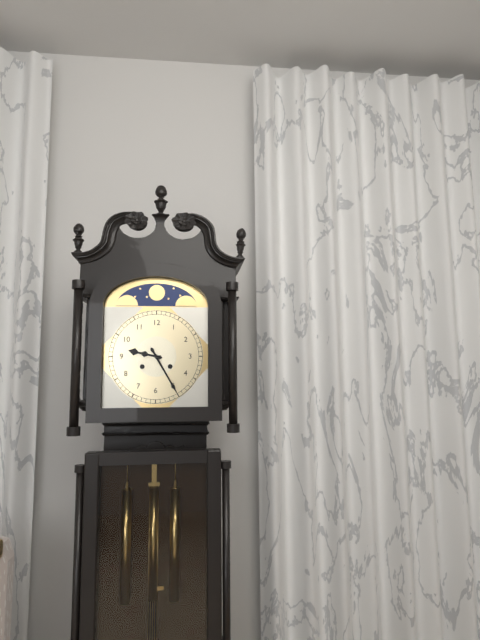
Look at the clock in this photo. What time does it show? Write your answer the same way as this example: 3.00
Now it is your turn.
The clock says 9.25
